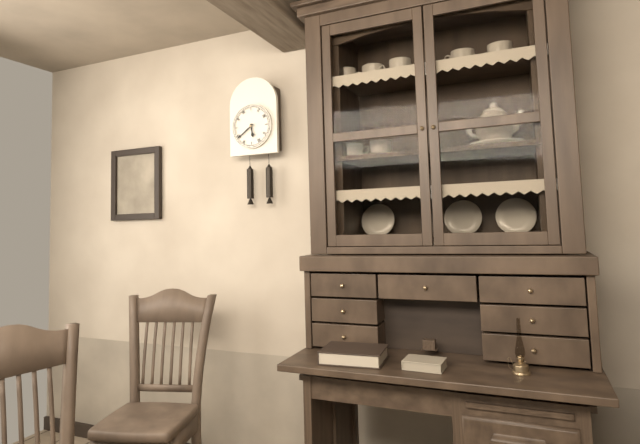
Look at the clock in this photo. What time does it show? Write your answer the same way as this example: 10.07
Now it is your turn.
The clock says 5.39
